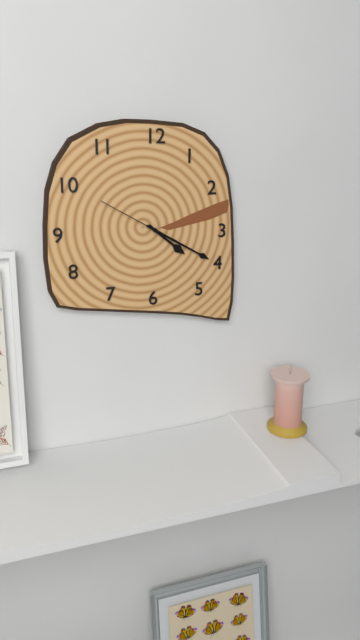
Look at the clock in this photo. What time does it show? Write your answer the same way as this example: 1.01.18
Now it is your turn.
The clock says 4.20.50
